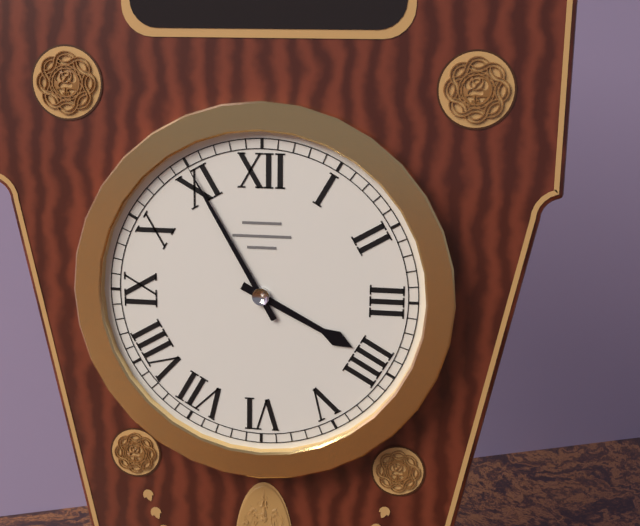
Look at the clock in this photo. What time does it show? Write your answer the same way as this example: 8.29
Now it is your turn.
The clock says 3.55
